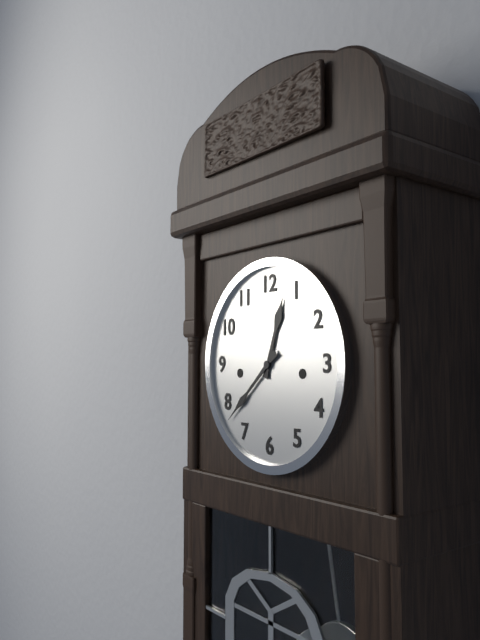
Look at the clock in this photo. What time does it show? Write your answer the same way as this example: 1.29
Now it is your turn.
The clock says 12.38
